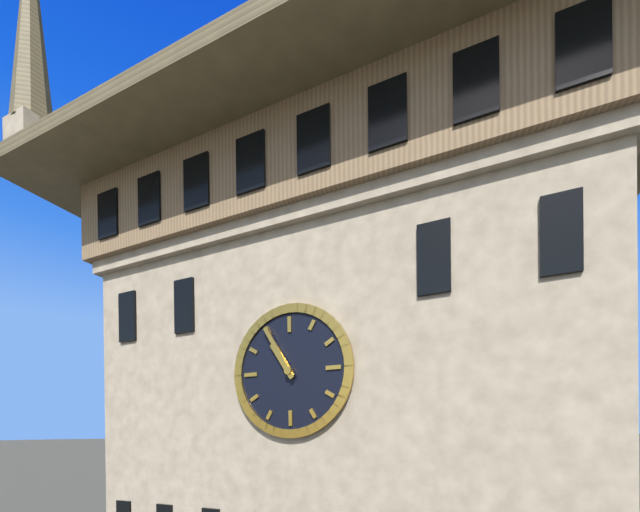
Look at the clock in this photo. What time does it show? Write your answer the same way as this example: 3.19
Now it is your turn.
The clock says 10.55
